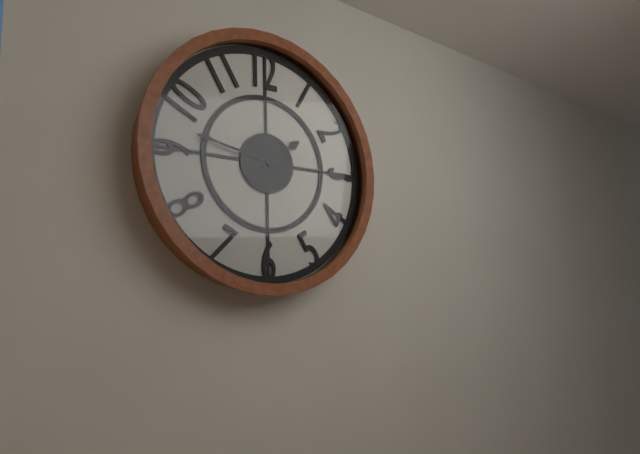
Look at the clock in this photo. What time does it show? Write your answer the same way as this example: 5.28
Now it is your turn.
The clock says 1.47
